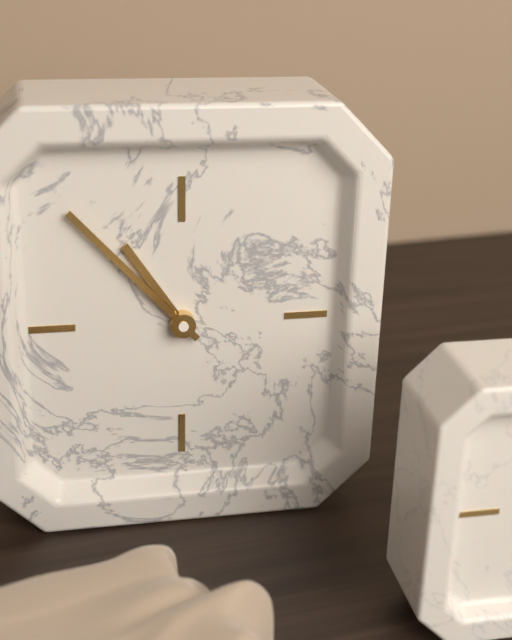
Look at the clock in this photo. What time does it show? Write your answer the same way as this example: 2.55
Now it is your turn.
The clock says 10.53
